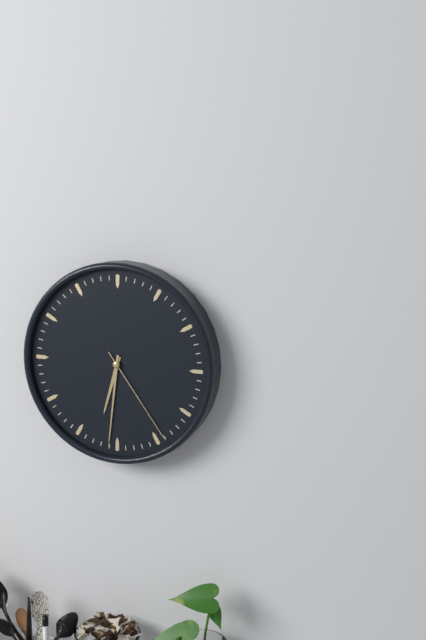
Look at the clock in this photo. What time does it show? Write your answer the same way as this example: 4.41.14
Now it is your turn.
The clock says 6.31.24
